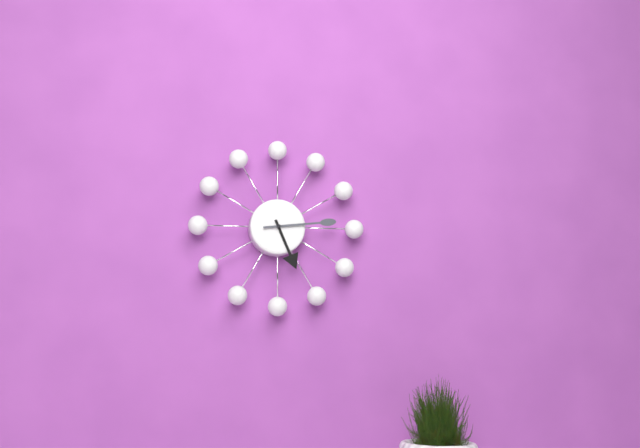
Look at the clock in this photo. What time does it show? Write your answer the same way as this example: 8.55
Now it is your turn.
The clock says 5.14
